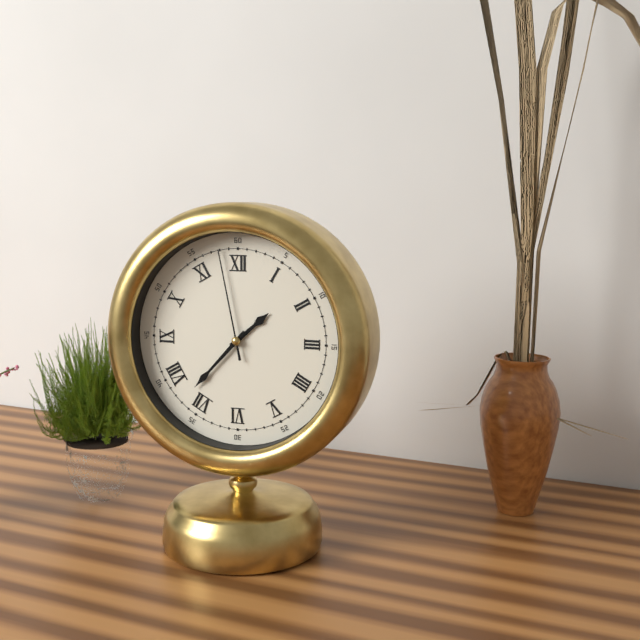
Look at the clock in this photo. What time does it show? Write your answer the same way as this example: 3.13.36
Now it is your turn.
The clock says 1.37.58
